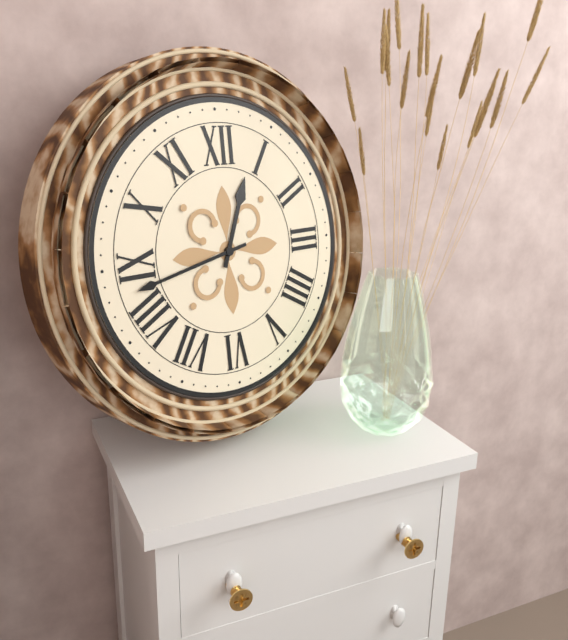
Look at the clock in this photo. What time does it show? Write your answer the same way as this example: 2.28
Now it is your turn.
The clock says 12.43
